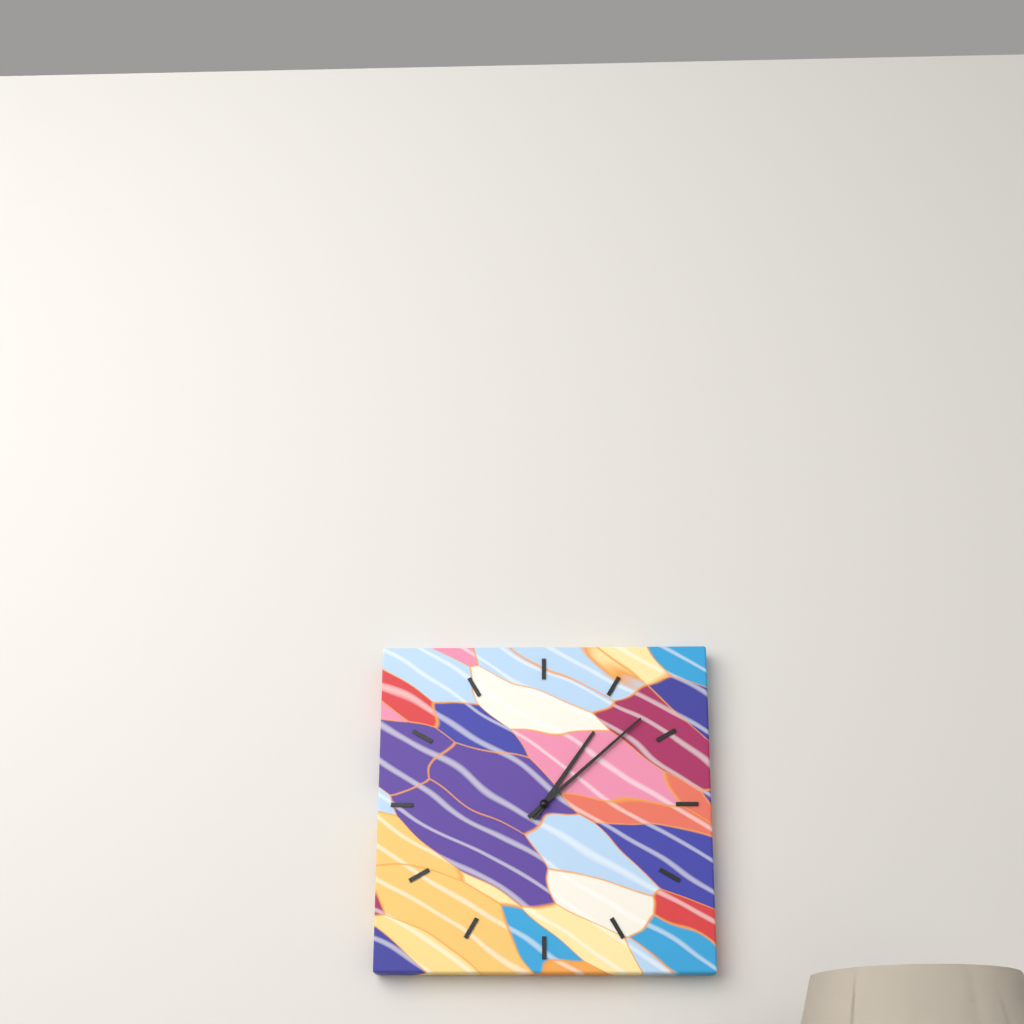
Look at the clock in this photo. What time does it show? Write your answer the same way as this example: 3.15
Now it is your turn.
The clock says 1.08
